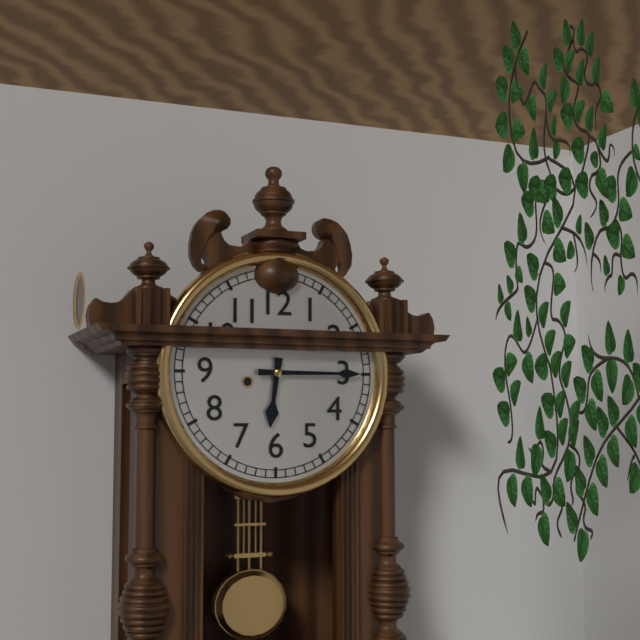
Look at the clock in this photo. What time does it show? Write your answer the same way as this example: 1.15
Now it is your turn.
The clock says 6.15
